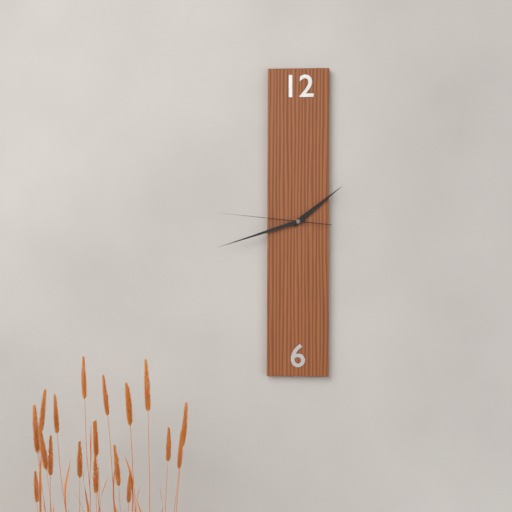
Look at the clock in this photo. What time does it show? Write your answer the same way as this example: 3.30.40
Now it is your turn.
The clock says 1.42.46
